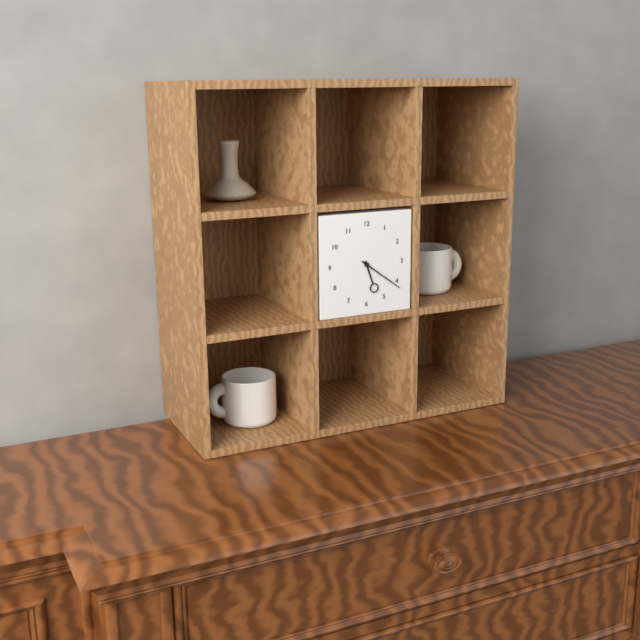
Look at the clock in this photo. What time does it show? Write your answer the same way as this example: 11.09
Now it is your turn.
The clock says 5.21
